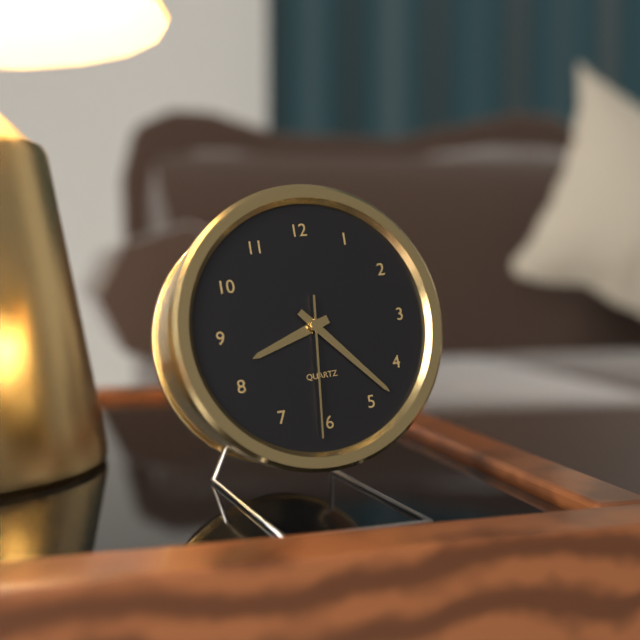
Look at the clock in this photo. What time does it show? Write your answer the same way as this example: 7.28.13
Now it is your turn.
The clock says 8.23.31
